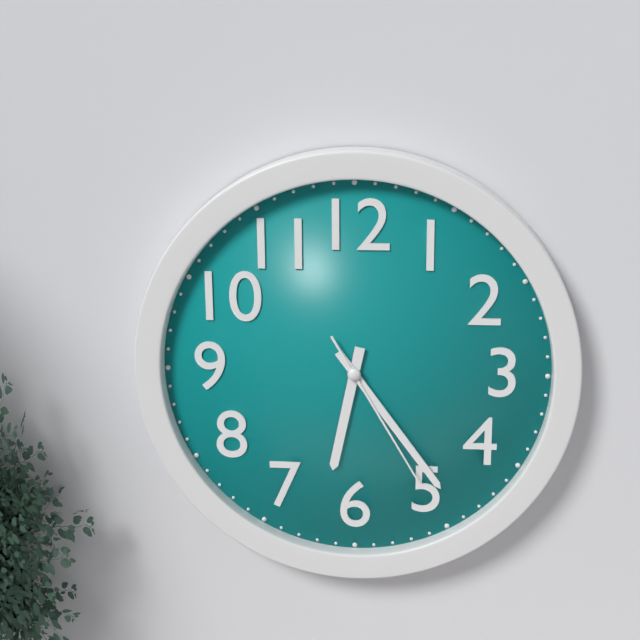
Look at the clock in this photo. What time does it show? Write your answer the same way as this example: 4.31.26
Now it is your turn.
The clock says 6.24.25
